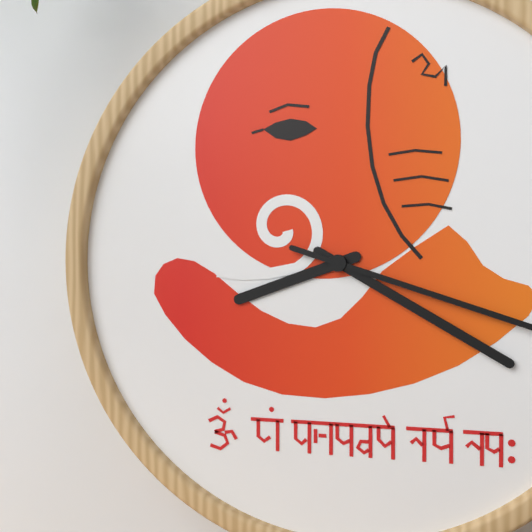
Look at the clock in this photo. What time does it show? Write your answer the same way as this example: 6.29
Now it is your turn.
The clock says 8.20
